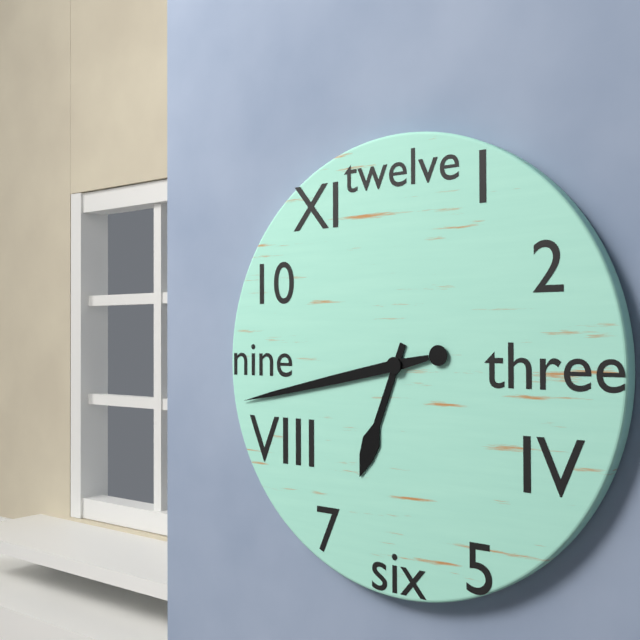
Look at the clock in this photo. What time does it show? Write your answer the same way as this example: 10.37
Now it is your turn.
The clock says 6.43
